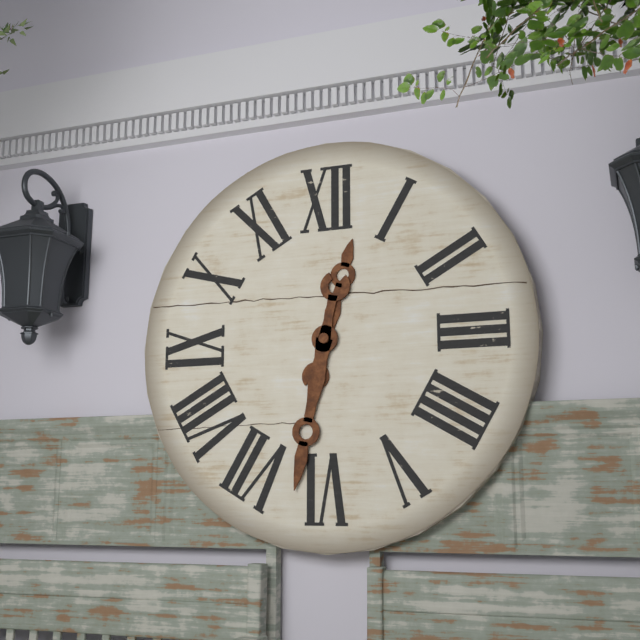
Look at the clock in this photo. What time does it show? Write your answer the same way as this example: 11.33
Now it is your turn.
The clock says 12.32
